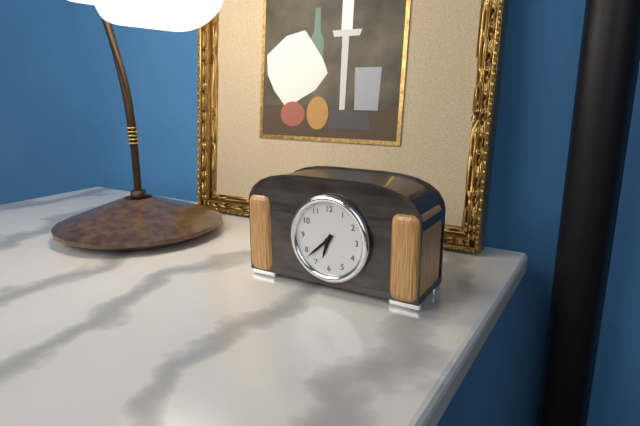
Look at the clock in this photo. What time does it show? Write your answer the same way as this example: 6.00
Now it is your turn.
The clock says 6.38
